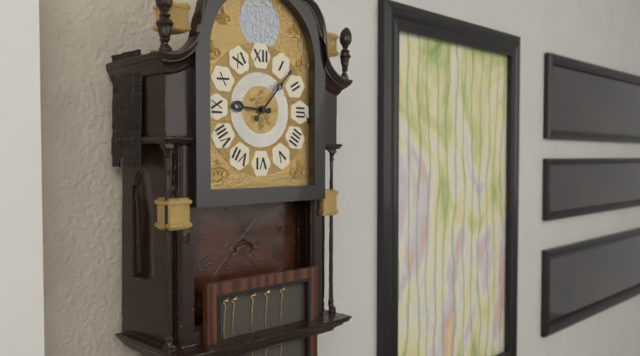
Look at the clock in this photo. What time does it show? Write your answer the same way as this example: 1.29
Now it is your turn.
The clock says 9.07
